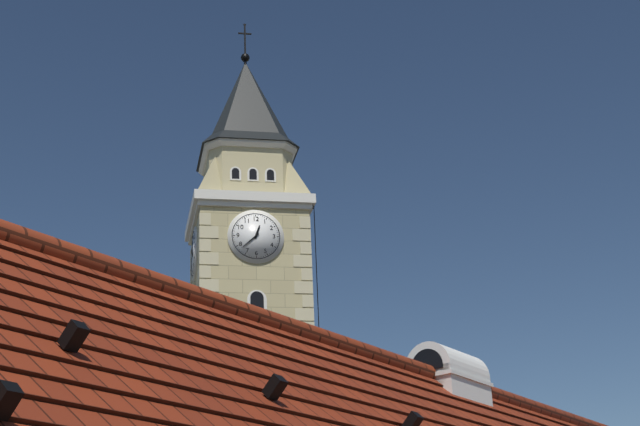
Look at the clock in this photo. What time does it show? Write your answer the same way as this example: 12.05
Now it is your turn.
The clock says 12.38
